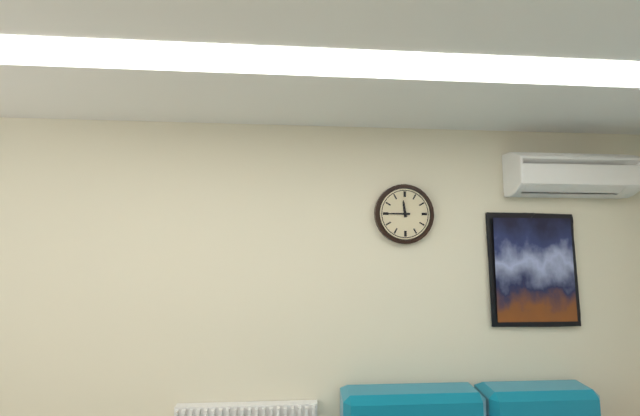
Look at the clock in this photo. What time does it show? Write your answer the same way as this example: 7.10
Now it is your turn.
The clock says 11.45
